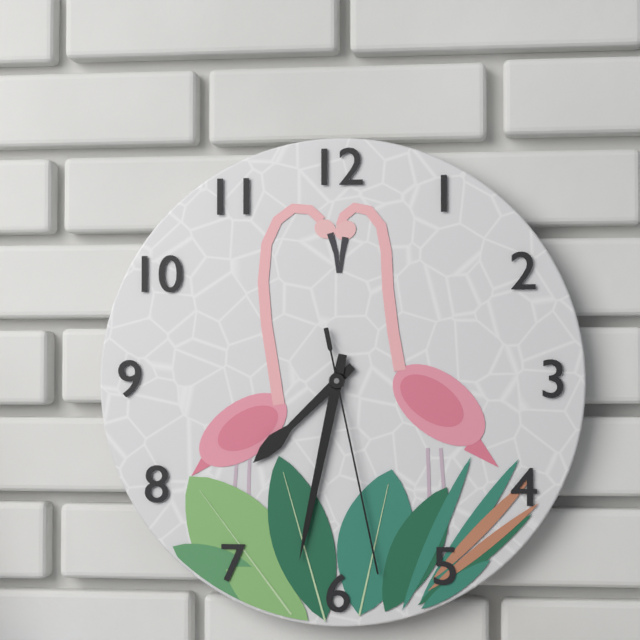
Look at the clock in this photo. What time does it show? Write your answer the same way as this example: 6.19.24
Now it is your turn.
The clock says 7.32.28
